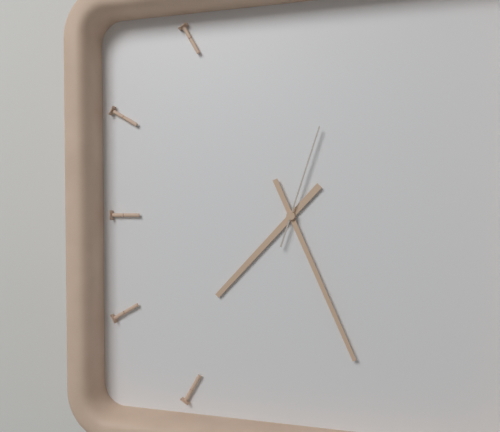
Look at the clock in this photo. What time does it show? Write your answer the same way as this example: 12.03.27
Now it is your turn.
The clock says 7.26.03
